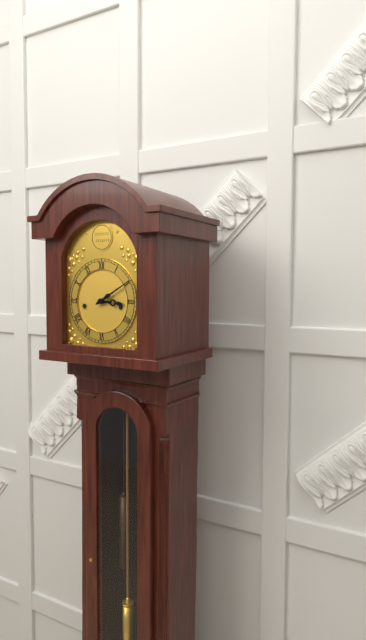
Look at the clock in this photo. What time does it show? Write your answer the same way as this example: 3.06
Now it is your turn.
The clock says 3.10
